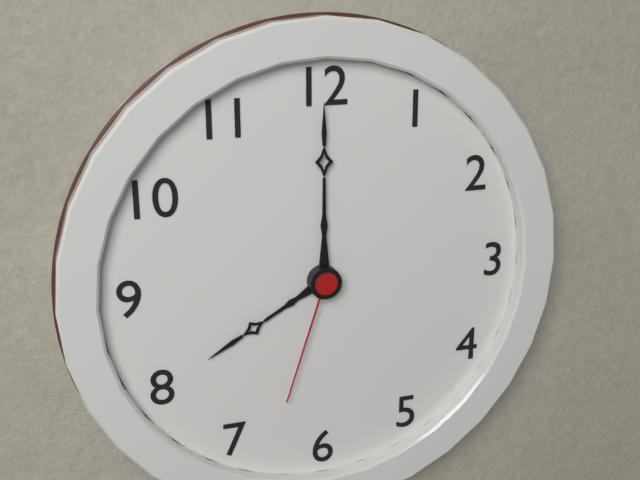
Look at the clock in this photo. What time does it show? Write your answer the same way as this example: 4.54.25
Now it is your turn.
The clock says 8.00.33
